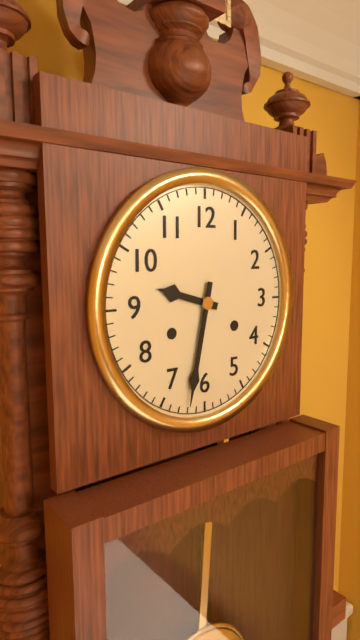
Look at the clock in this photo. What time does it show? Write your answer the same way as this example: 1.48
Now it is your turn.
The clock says 9.32
